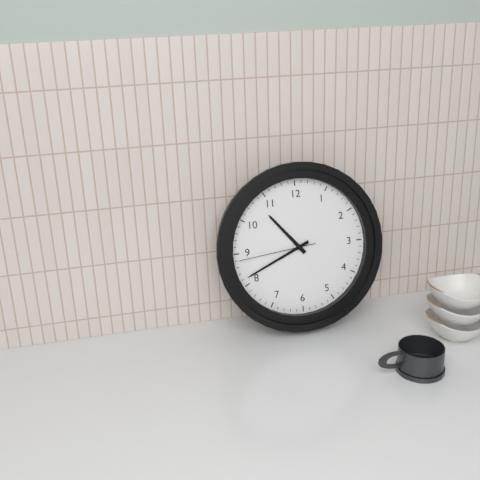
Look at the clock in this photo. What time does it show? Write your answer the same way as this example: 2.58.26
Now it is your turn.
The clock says 10.41.44
